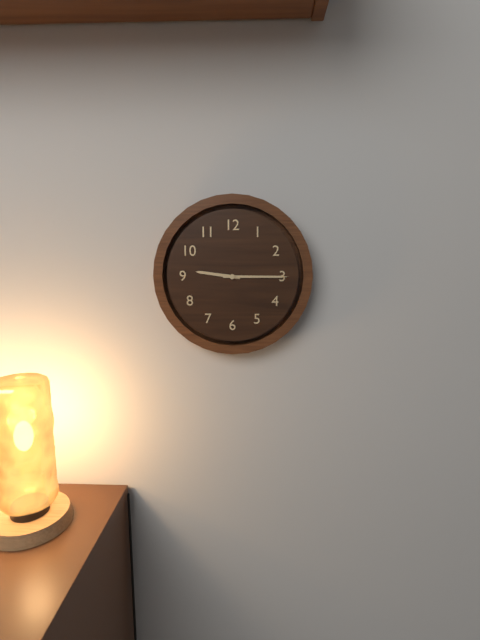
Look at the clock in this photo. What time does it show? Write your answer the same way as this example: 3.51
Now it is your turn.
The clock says 9.15
